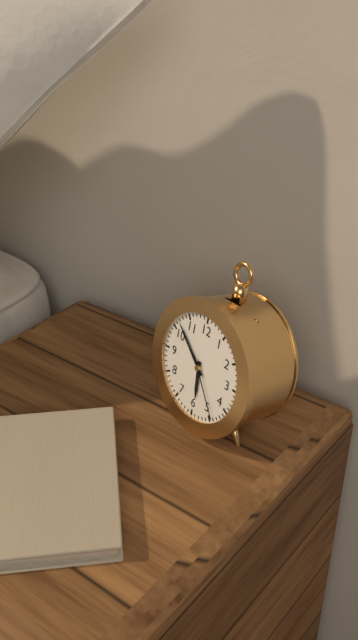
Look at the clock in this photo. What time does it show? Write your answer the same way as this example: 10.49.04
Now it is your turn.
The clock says 5.52.24
